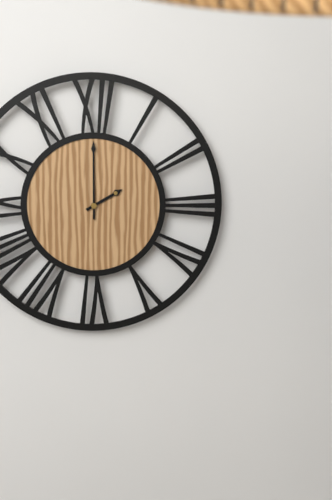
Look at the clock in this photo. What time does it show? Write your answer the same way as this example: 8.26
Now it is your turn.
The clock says 2.00
